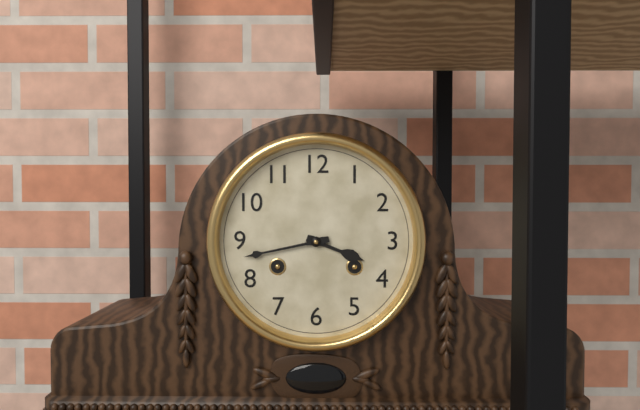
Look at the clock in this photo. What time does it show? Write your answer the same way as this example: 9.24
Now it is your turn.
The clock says 3.43
